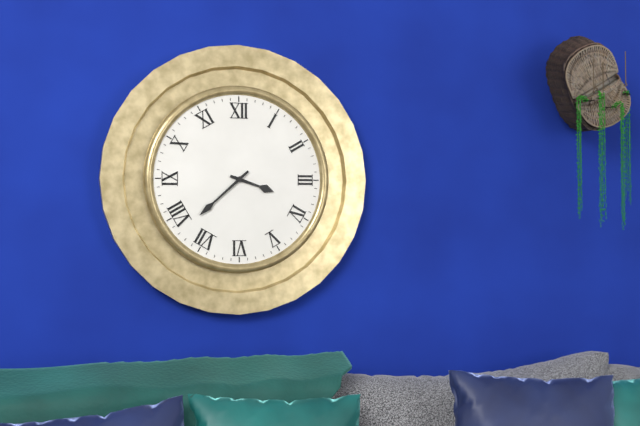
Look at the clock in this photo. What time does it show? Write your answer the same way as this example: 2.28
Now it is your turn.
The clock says 3.38
